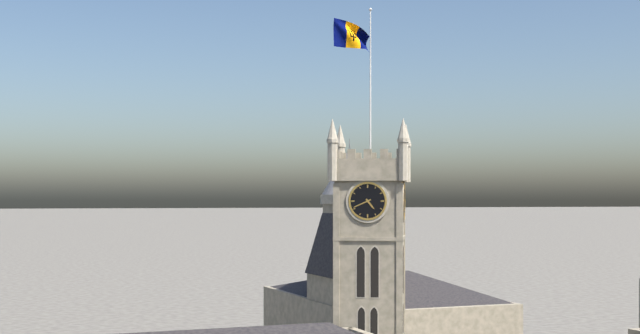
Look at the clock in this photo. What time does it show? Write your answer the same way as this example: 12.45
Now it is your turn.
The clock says 4.41
